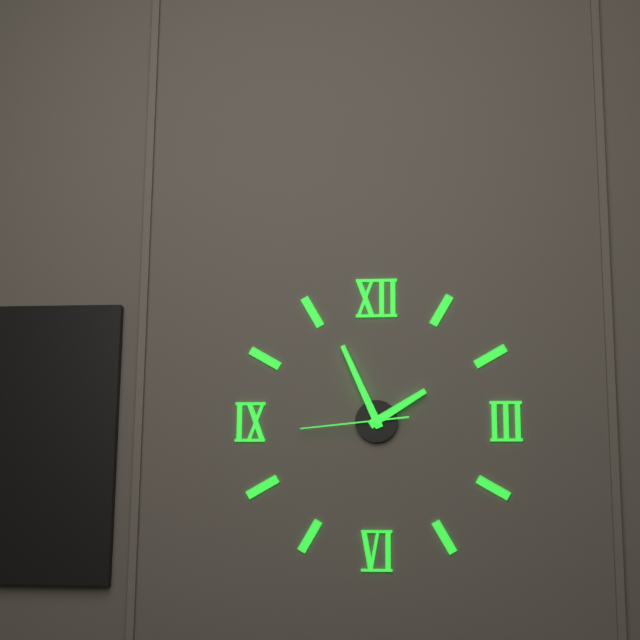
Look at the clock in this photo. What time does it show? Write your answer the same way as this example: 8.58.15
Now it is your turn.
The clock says 1.56.44
